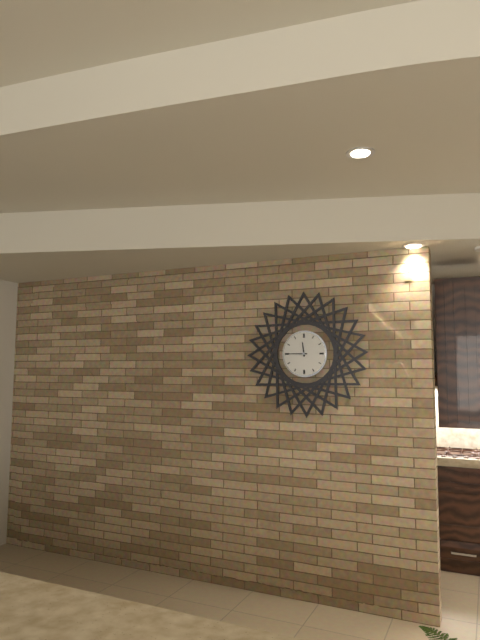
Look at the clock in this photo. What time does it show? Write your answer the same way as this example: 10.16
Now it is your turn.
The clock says 11.45
